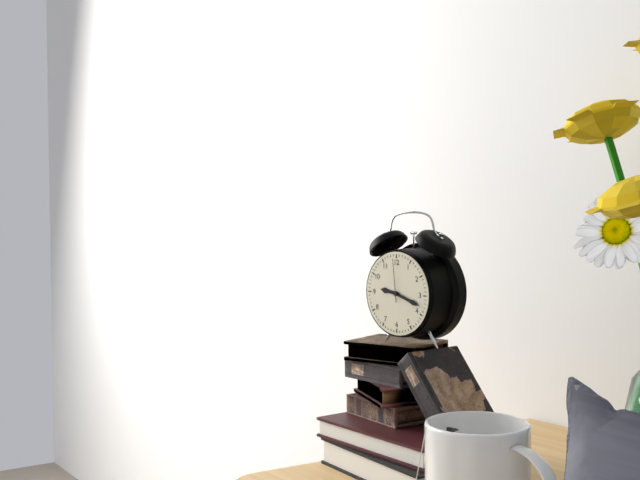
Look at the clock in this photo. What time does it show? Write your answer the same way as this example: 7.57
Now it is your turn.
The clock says 9.18
